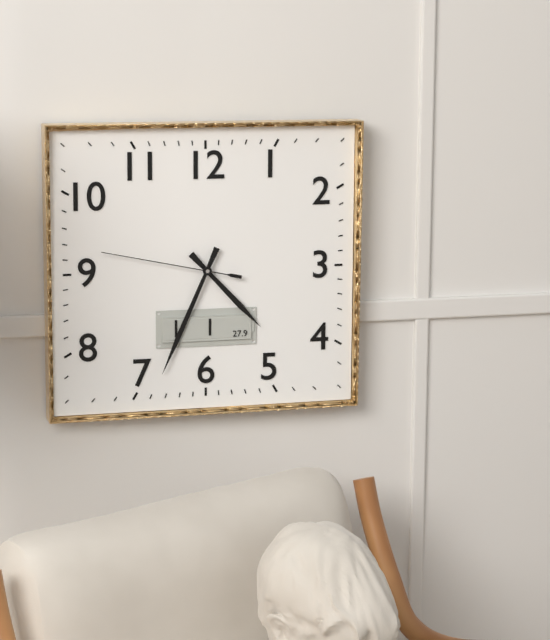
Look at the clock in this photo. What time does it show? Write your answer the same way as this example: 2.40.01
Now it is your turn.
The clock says 4.34.47
